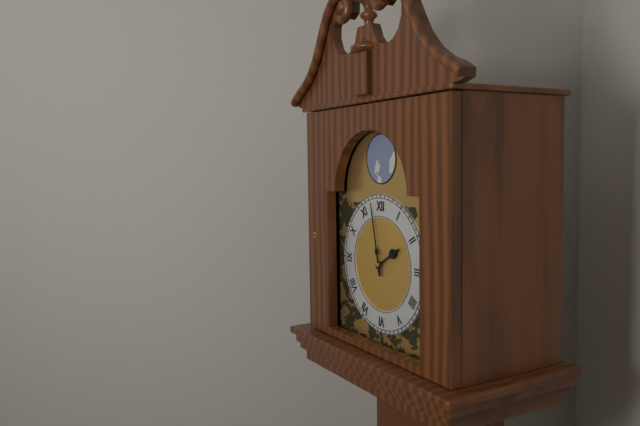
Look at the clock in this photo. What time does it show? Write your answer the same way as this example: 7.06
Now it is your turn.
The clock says 1.58
